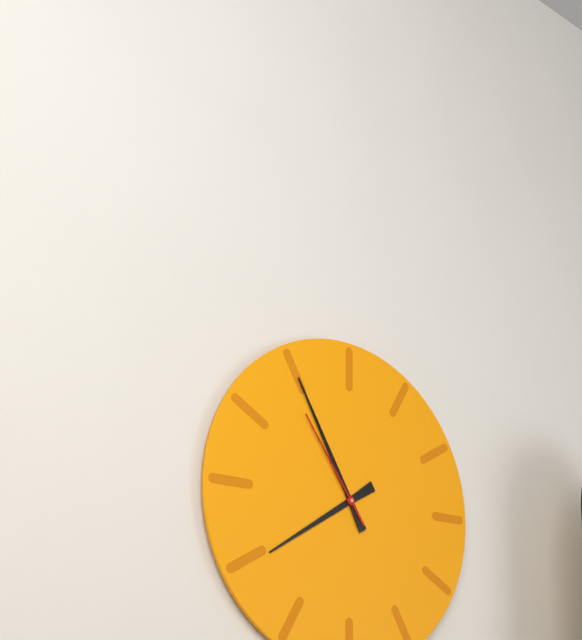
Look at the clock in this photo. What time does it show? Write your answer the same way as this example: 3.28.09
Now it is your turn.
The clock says 7.55.54
